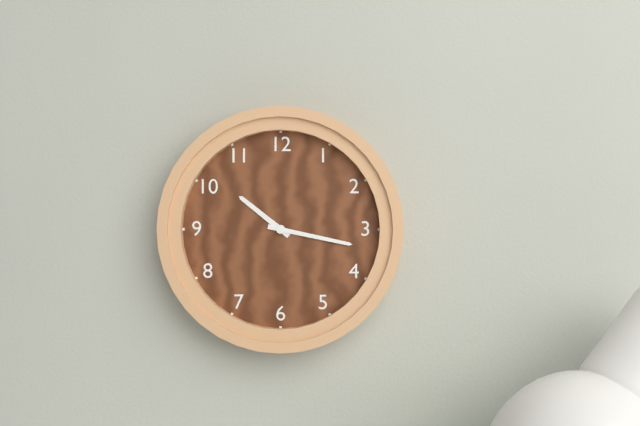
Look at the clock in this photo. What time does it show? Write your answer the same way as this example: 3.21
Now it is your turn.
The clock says 10.17
